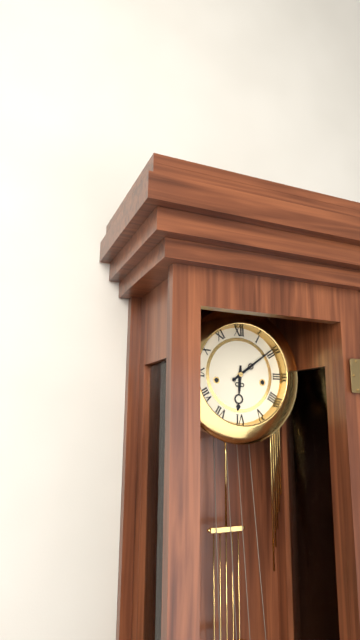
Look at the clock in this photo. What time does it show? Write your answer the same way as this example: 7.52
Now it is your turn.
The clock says 6.09
